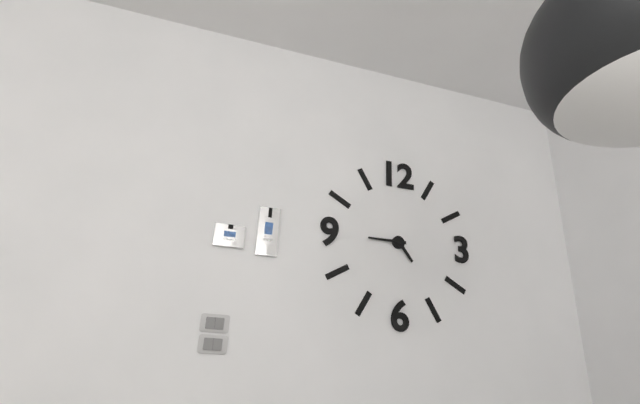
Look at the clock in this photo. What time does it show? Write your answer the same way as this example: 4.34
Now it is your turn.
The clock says 4.45
